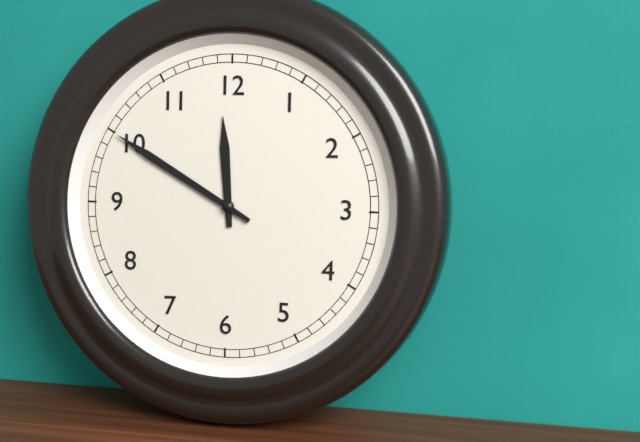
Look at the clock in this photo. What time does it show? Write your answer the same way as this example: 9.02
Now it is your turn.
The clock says 11.50
